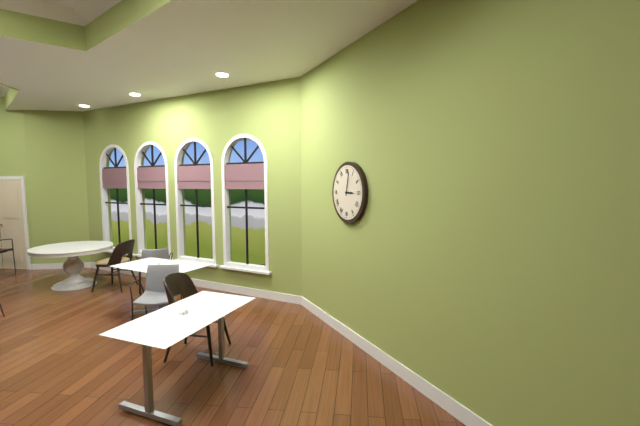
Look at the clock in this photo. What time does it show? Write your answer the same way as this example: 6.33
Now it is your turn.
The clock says 3.02
